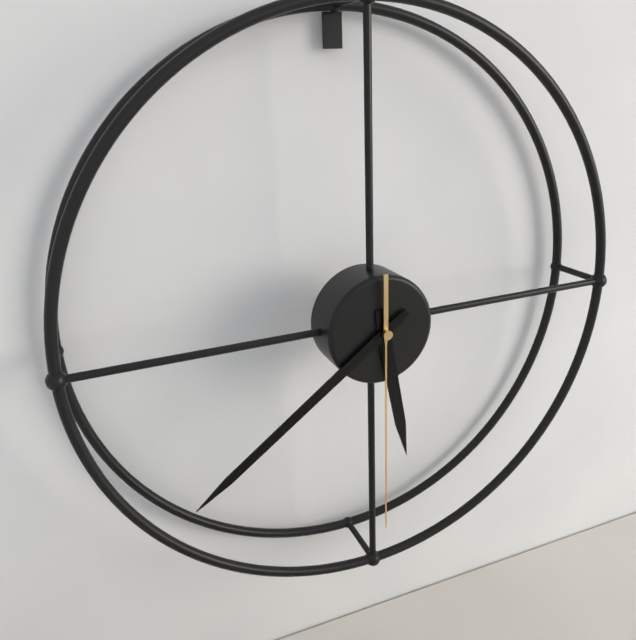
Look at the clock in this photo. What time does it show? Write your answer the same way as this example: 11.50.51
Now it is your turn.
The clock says 5.39.30
